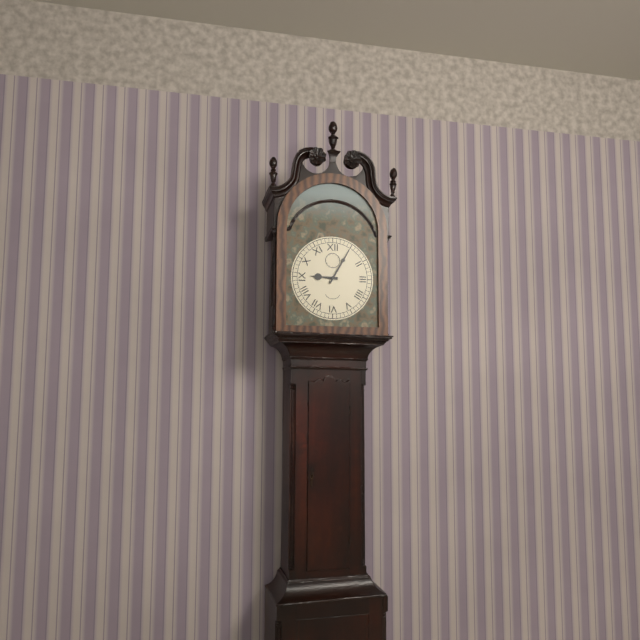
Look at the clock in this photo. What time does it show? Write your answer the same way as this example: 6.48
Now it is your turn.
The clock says 9.05
